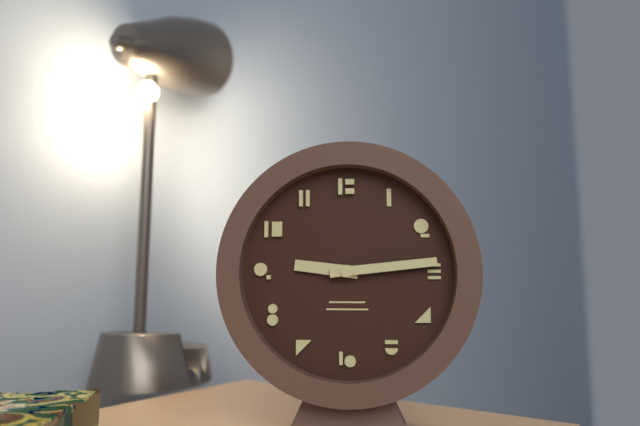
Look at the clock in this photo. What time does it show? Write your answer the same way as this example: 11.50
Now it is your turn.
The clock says 9.14
